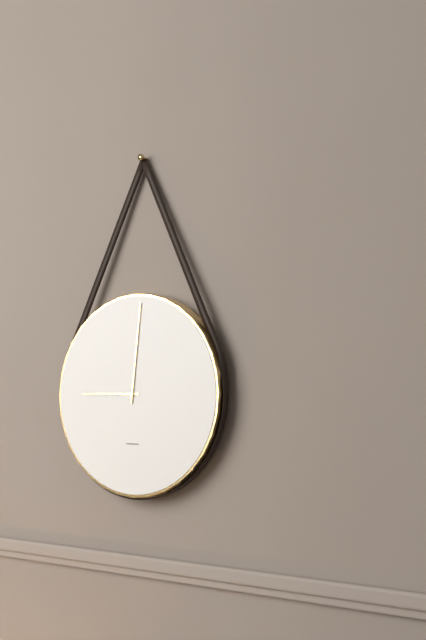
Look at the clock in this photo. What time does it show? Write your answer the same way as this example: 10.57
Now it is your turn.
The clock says 9.01
